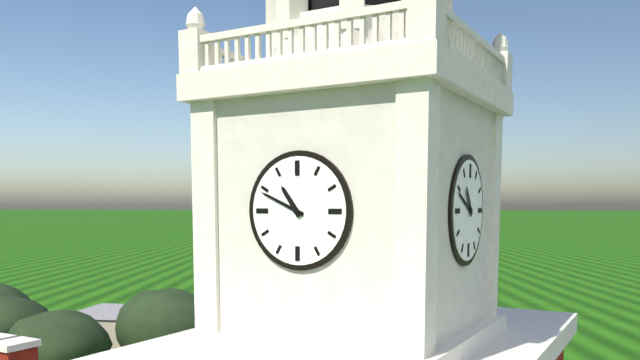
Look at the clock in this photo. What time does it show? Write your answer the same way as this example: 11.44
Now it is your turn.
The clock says 10.49
